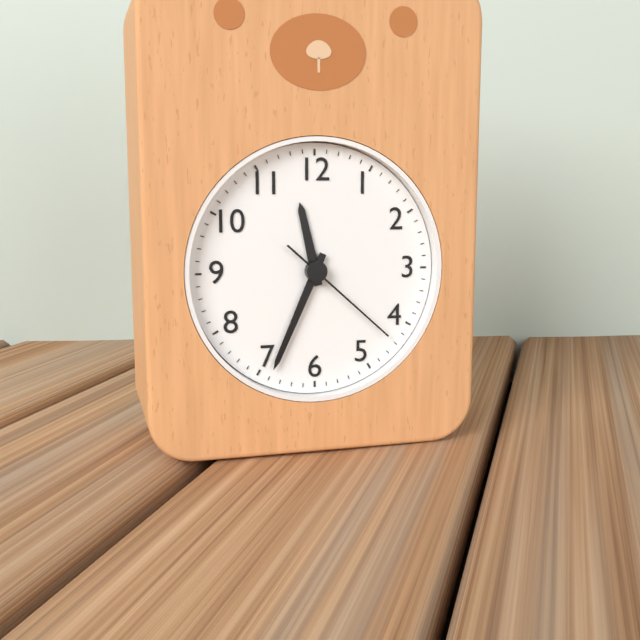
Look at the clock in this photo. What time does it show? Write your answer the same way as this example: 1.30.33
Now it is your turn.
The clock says 11.34.22
